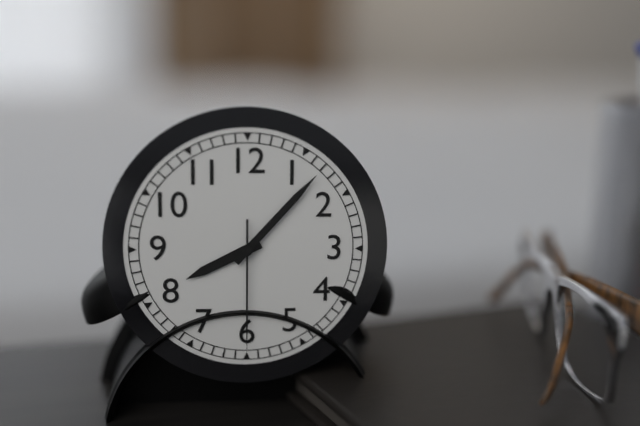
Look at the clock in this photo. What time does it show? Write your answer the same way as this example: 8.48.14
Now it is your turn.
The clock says 8.07.30
